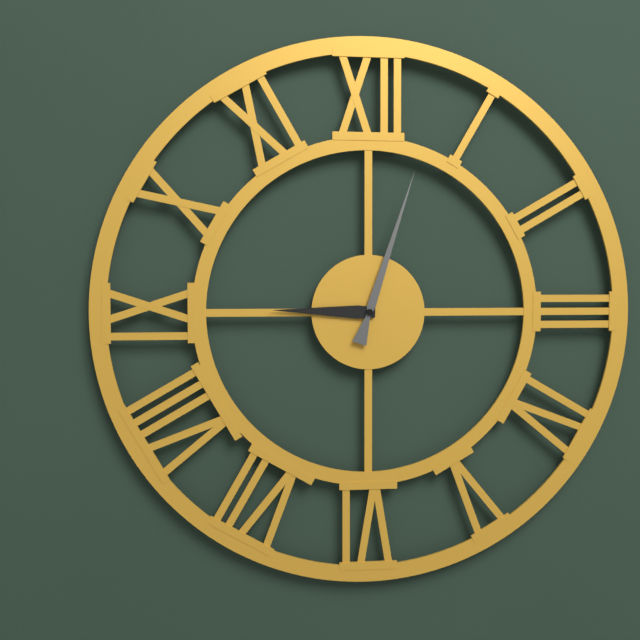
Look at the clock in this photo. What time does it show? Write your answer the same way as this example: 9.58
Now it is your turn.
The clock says 9.03
